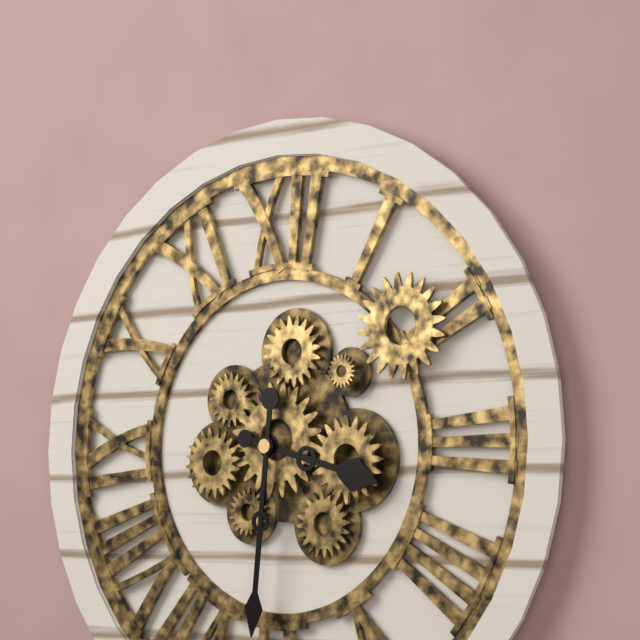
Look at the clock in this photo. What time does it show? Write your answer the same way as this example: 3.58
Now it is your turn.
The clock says 3.31
